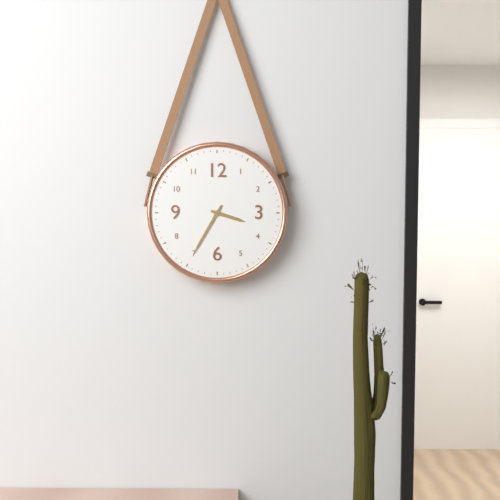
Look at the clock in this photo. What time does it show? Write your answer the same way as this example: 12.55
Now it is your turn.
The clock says 3.35
